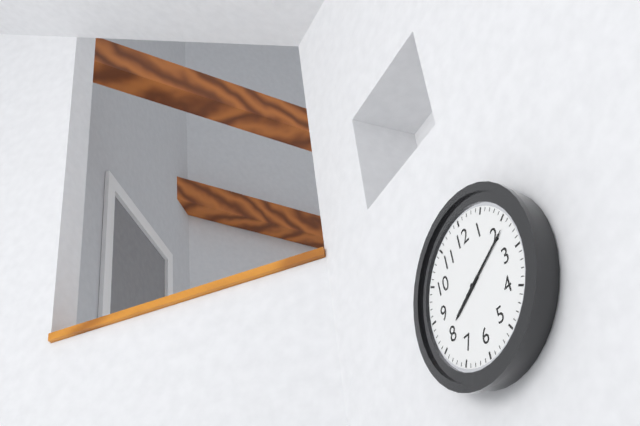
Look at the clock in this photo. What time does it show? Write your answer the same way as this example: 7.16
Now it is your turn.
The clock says 8.11
